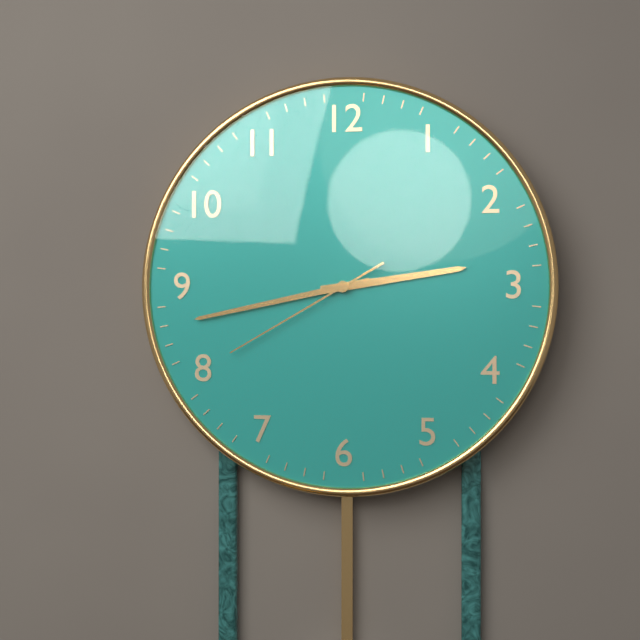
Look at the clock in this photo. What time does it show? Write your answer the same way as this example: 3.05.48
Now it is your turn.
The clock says 2.43.40
